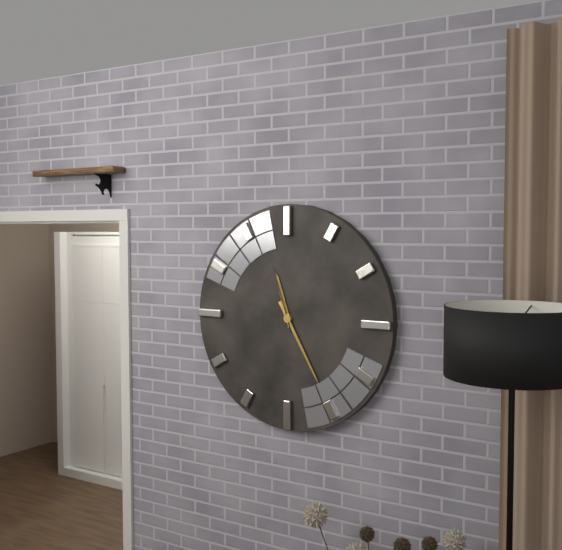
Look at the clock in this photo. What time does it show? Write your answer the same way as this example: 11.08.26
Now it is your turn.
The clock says 11.25.57
